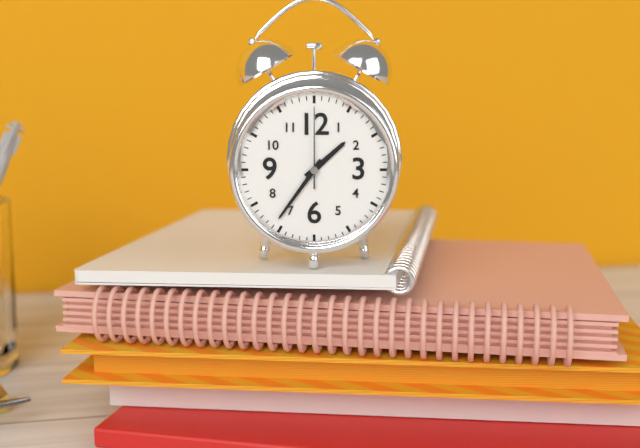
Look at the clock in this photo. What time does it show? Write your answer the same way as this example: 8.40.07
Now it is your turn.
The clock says 1.36.00
